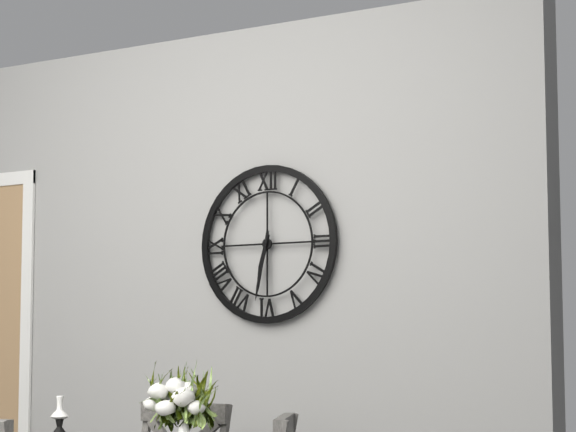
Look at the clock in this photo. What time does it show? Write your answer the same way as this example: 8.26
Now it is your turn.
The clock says 6.32
